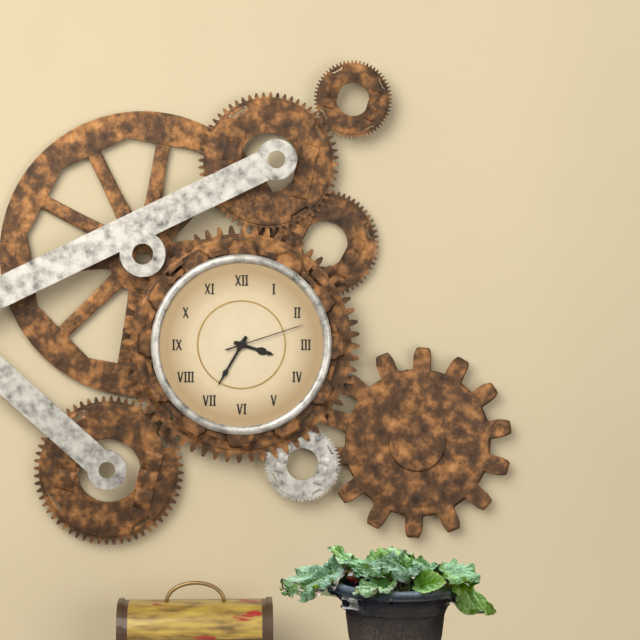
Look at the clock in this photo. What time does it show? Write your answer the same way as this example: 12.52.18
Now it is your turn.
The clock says 3.35.12
